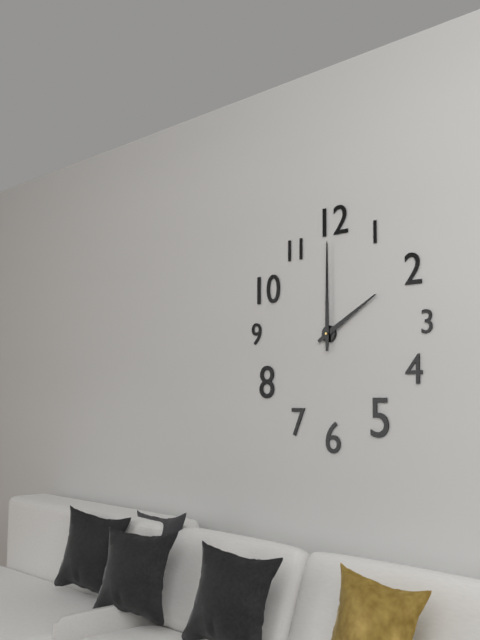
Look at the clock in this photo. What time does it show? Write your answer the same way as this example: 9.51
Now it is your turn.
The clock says 2.00
